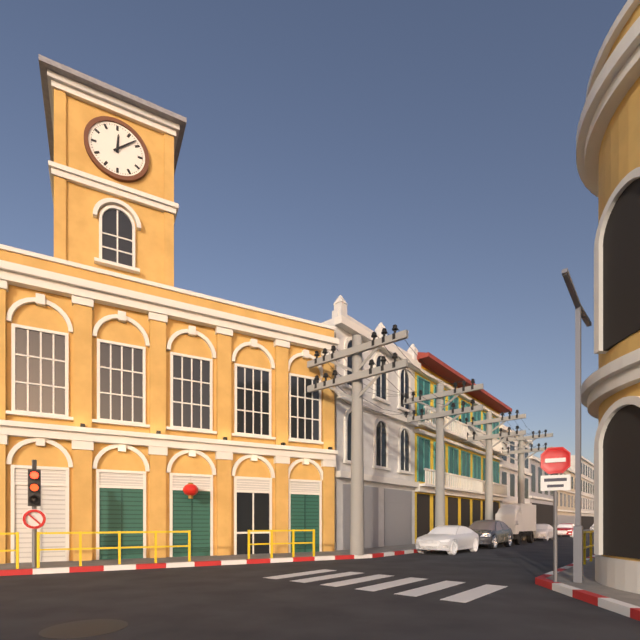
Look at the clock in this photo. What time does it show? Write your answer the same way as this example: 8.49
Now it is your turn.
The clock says 12.08
